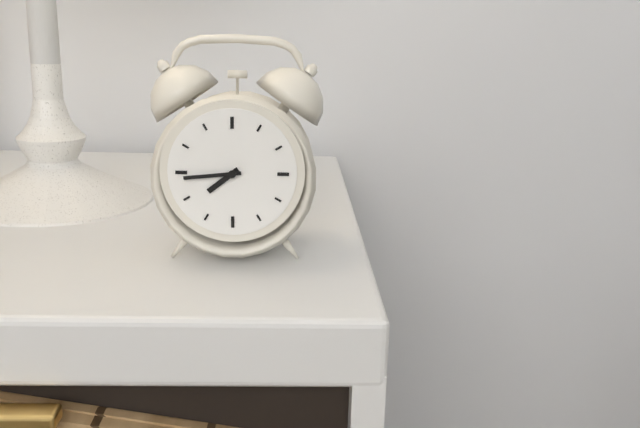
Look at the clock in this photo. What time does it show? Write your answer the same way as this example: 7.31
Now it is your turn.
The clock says 7.44
